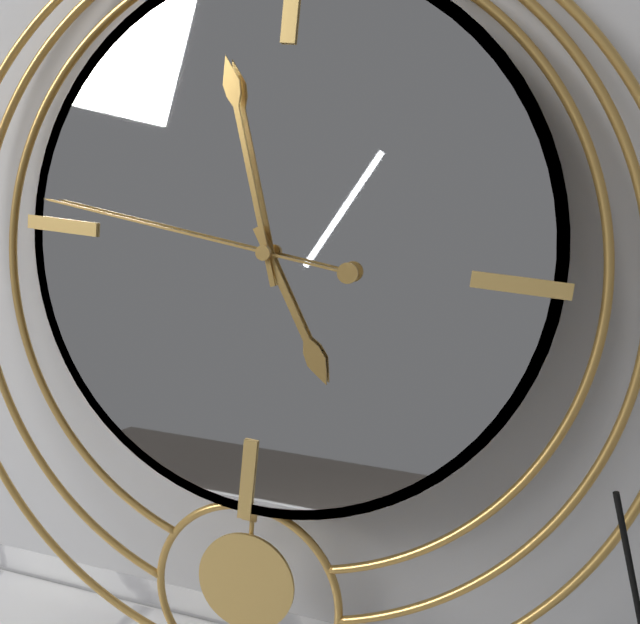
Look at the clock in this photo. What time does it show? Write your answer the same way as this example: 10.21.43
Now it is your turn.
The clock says 4.57.46
